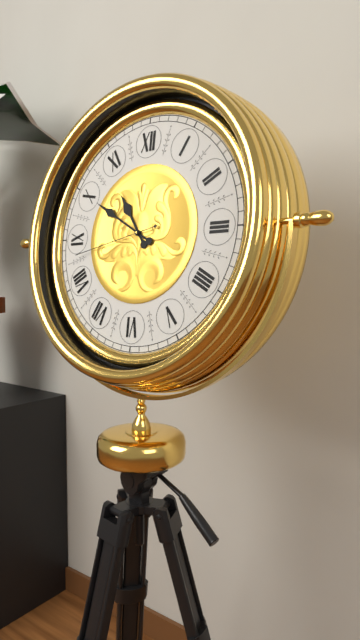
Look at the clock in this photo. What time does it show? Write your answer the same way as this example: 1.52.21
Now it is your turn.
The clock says 10.50.43
